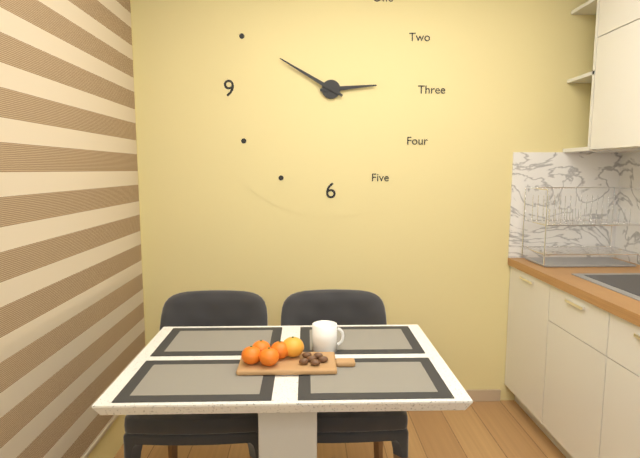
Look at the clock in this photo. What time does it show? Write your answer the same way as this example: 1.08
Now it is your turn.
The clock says 2.50
